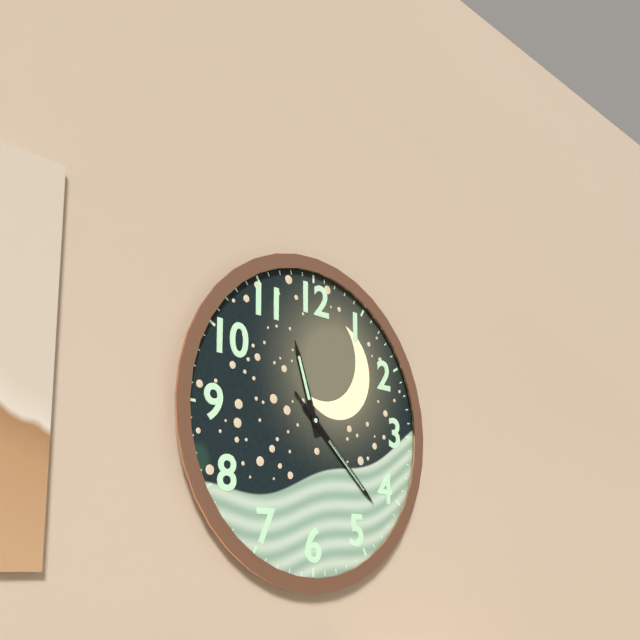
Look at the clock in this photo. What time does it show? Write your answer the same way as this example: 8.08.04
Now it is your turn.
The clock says 11.22.22
